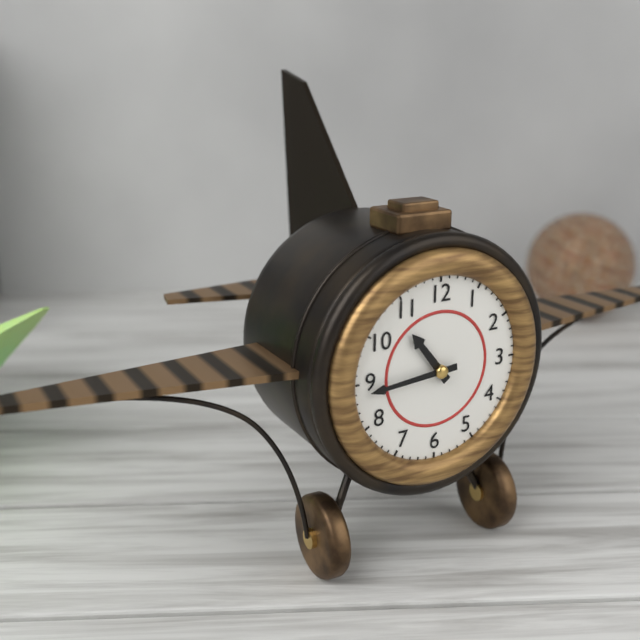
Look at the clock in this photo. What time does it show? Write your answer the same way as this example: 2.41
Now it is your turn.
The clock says 10.44
